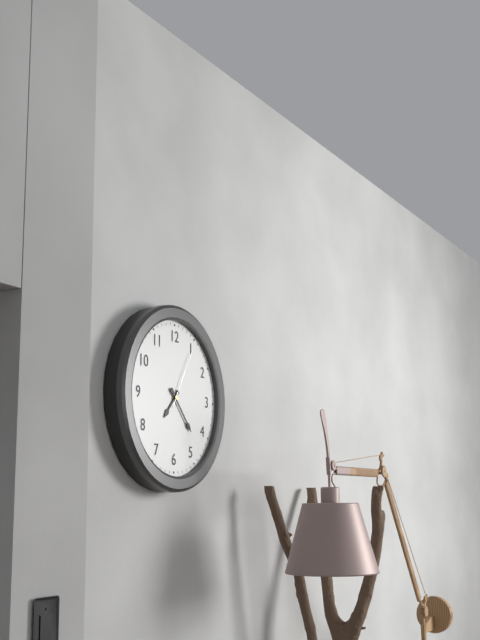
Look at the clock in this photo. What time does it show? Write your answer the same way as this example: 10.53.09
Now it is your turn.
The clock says 7.23.05
